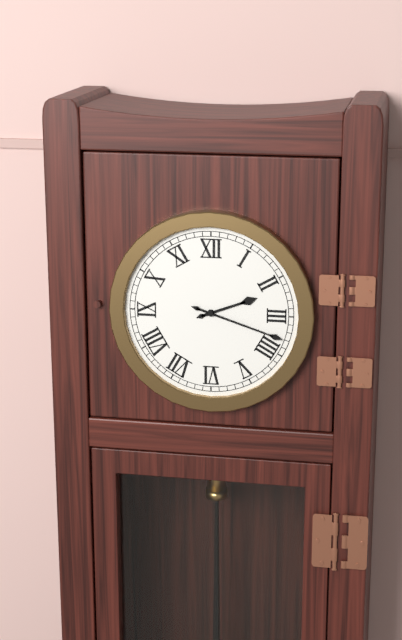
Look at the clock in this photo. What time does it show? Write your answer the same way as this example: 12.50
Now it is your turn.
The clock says 2.18
